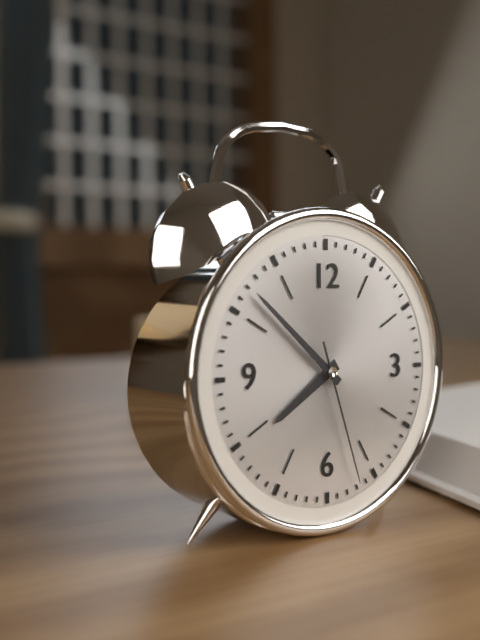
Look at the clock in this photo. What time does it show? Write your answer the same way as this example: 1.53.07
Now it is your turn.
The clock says 7.52.27
